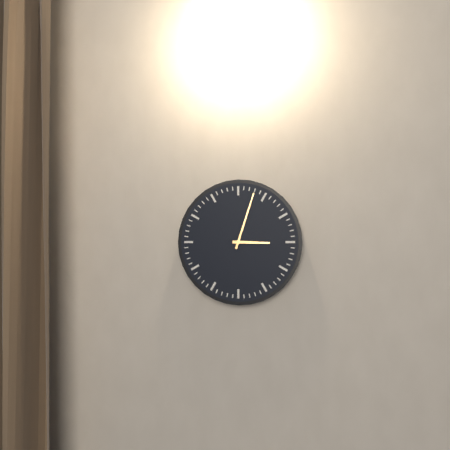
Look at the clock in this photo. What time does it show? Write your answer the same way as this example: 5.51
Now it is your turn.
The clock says 3.03
